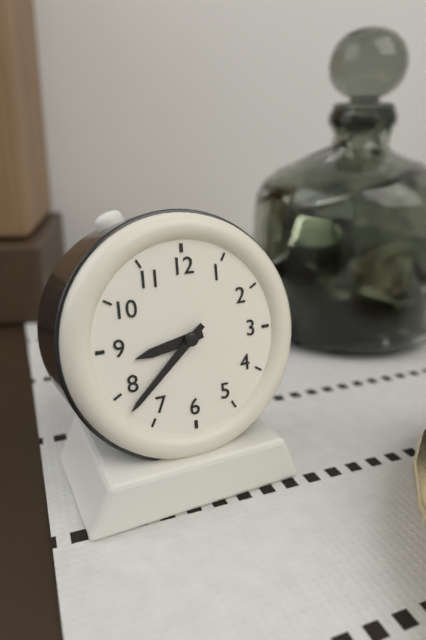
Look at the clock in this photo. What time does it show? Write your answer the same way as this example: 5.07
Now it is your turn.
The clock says 8.38
